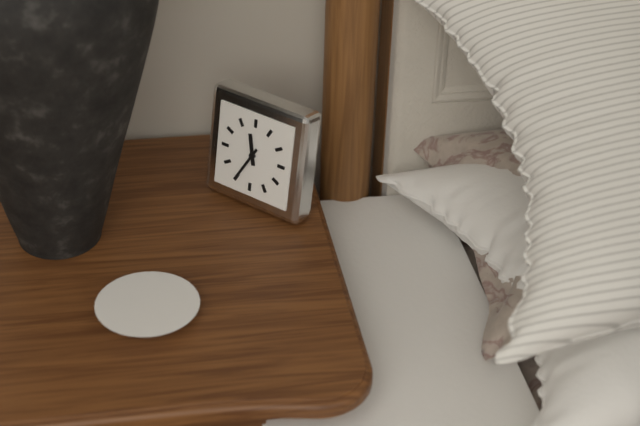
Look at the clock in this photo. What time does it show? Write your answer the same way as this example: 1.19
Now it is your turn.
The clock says 11.35
